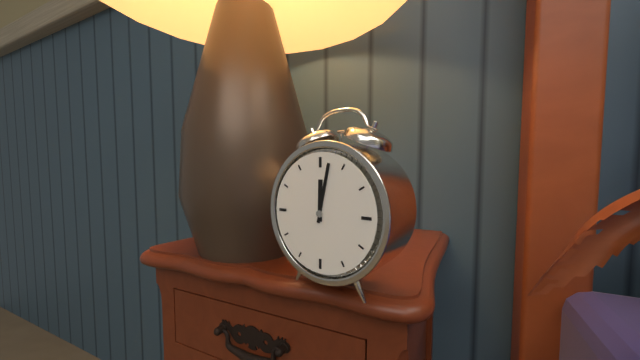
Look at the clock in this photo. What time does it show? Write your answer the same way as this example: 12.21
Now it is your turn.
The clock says 12.02
